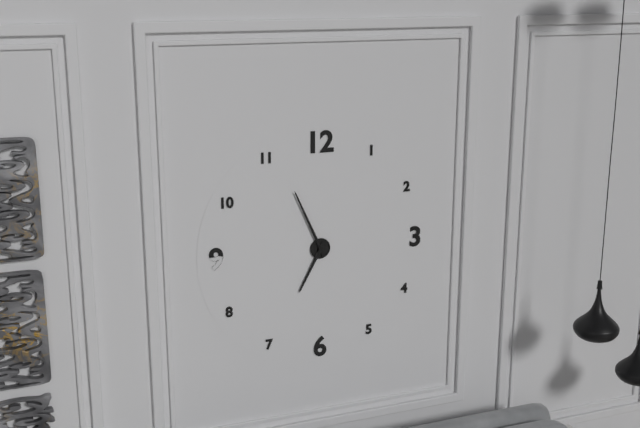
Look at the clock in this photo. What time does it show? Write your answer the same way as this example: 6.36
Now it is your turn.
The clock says 6.56
